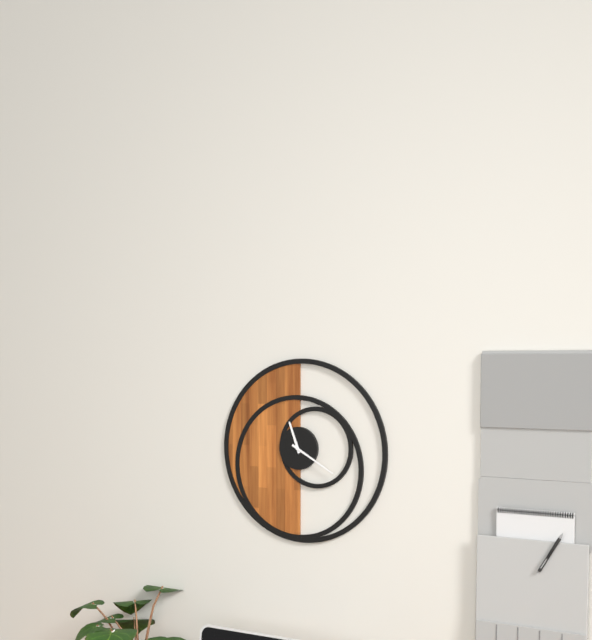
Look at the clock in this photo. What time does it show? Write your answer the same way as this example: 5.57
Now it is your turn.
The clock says 11.20
